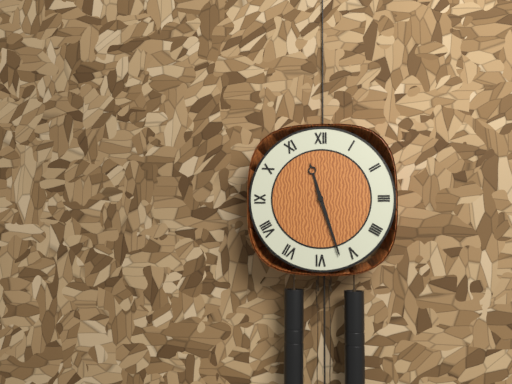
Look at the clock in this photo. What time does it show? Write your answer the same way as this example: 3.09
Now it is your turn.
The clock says 11.27
